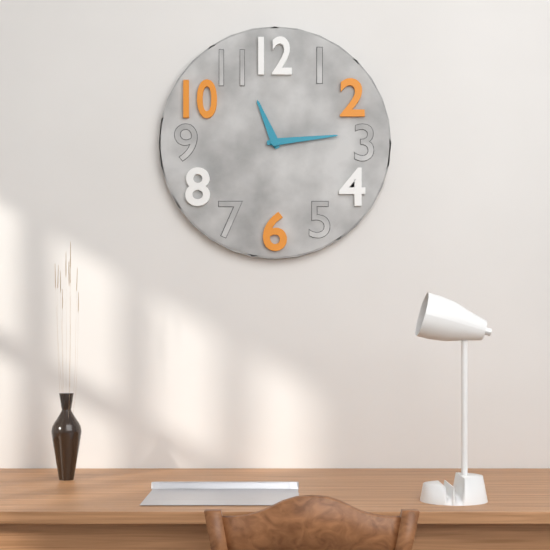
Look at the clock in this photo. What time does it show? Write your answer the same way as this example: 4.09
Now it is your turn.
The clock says 11.14
